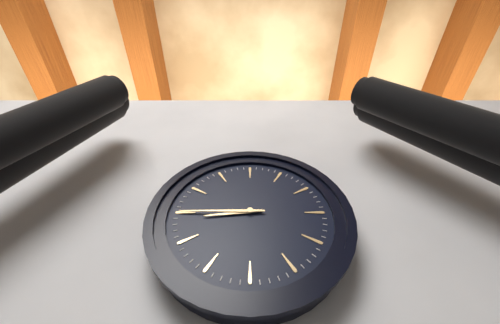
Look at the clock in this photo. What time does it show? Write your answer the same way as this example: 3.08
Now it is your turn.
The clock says 8.45
